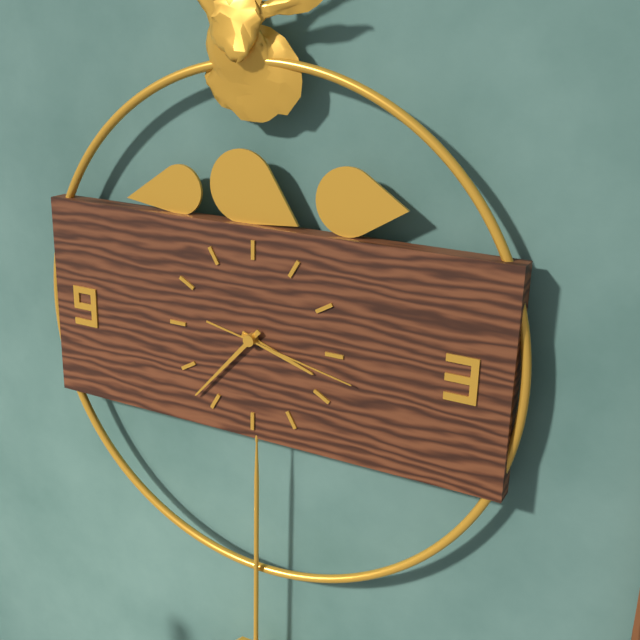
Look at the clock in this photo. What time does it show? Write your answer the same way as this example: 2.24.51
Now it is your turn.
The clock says 3.37.17
